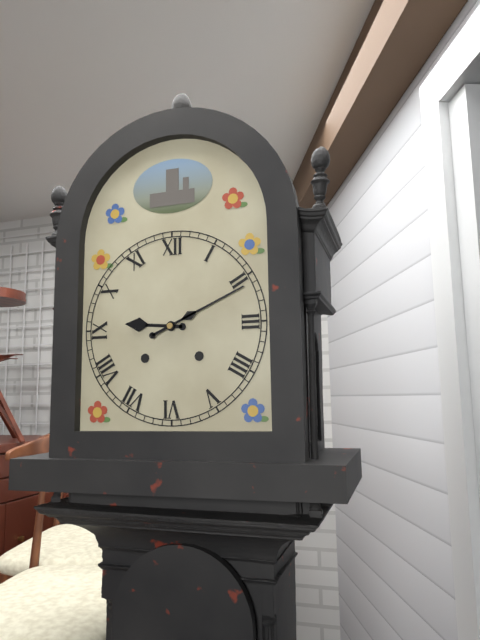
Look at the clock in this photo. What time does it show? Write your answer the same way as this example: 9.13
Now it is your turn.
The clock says 9.11
